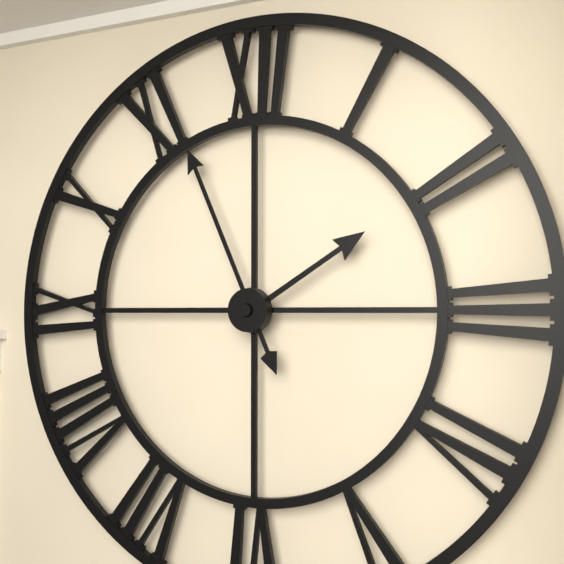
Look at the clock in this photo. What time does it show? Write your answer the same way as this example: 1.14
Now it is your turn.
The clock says 1.56
